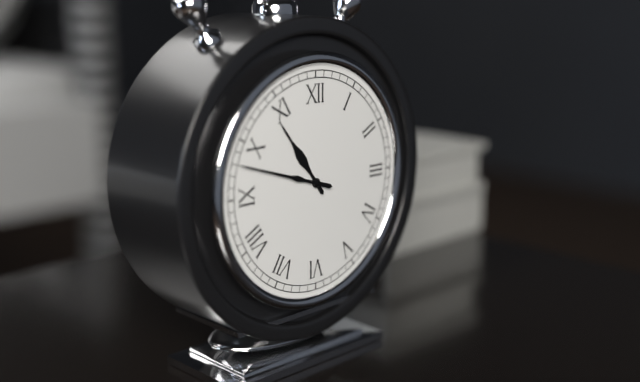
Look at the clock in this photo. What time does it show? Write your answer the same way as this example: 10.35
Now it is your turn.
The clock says 10.48
